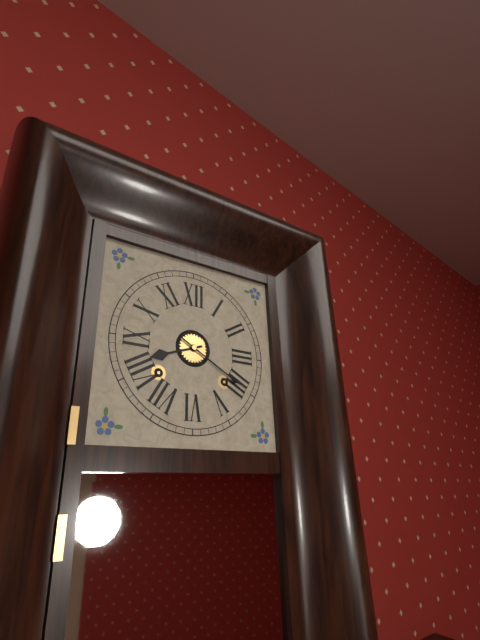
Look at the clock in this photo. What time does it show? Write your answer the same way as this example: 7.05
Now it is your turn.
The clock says 8.20
